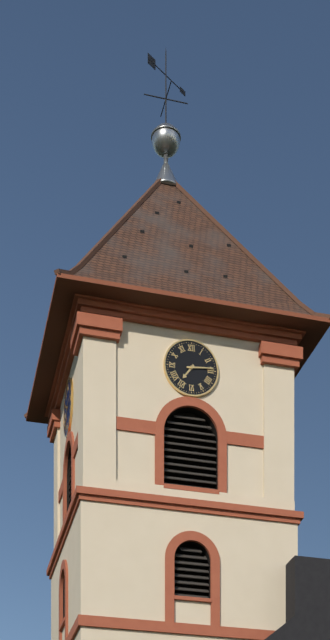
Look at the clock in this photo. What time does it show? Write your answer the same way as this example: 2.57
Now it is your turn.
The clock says 7.14
